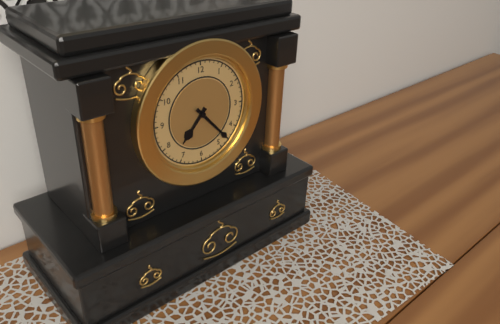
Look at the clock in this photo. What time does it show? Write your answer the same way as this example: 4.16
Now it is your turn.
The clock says 7.23
